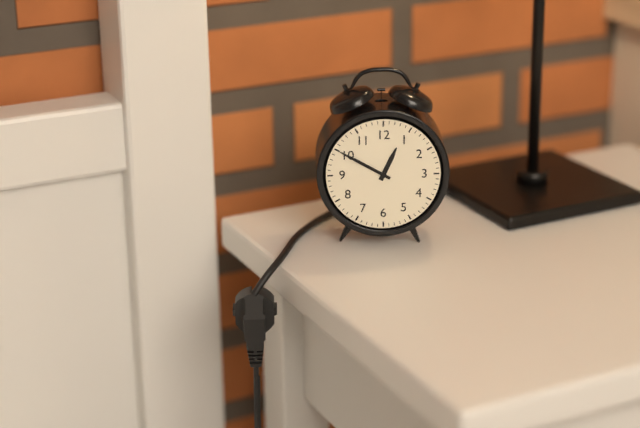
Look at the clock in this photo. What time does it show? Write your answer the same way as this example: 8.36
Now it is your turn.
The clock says 12.50
